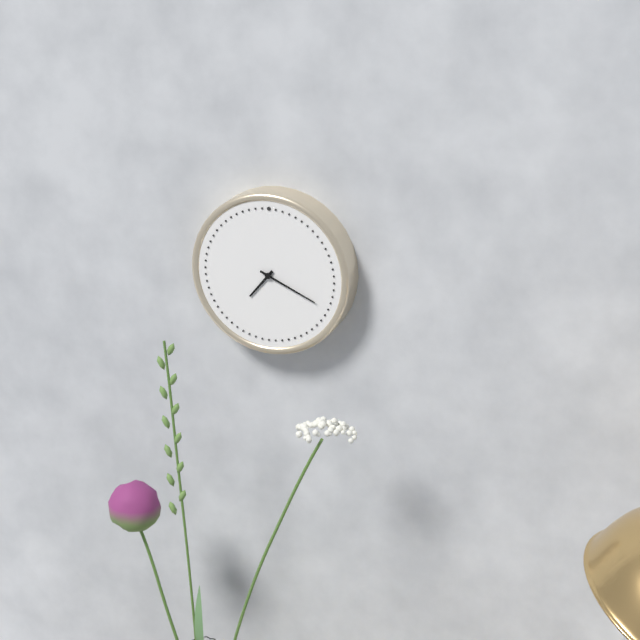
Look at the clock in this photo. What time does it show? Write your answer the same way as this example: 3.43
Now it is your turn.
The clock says 7.19
